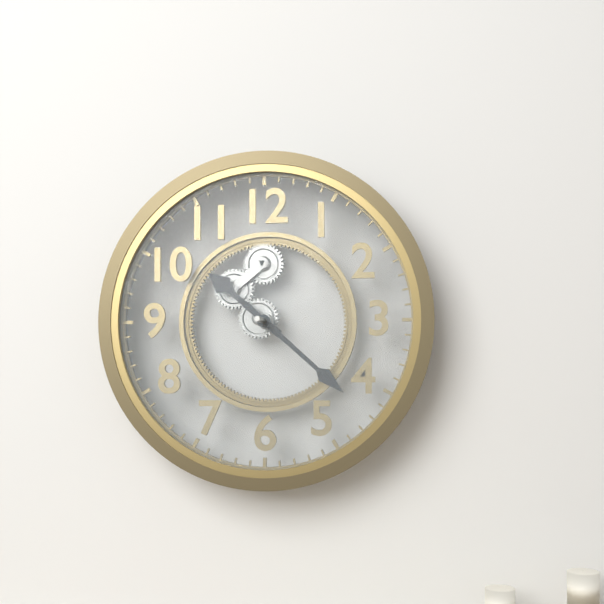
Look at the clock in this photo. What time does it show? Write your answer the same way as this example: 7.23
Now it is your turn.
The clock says 10.22
